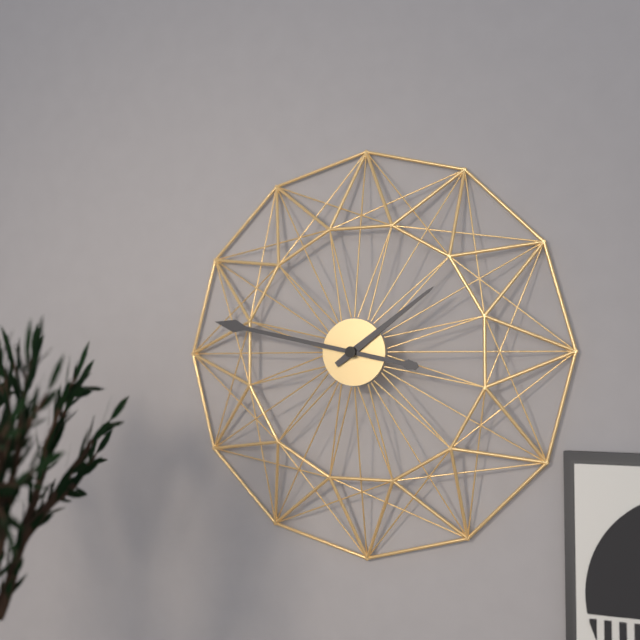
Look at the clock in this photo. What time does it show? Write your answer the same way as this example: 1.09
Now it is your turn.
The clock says 1.47
